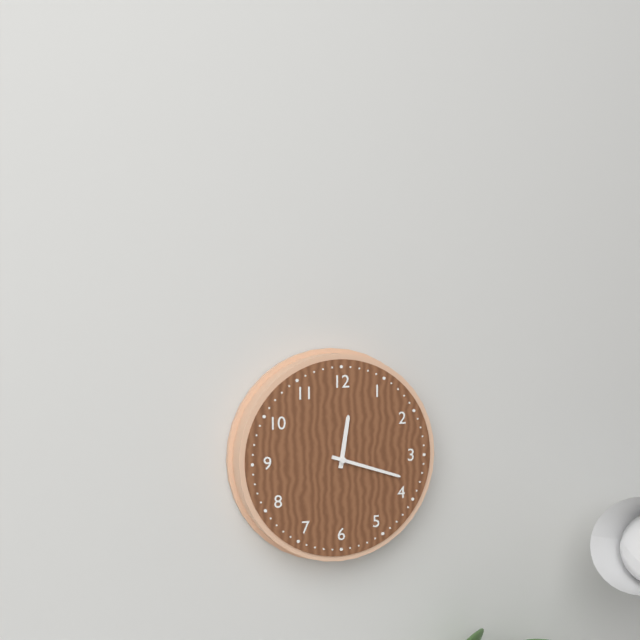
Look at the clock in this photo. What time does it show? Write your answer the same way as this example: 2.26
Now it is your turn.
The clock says 12.18
